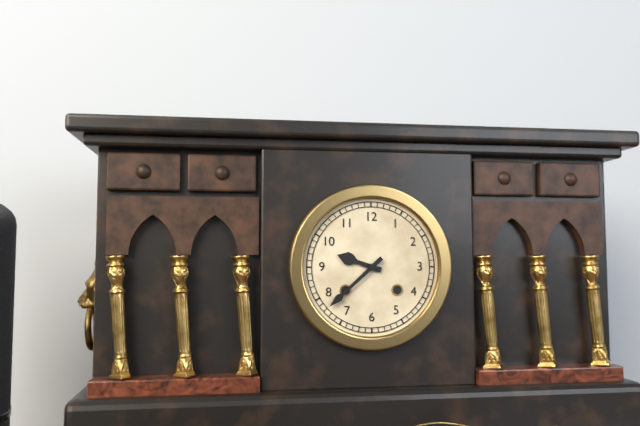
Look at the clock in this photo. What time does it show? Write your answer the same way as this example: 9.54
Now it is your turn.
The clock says 9.38
